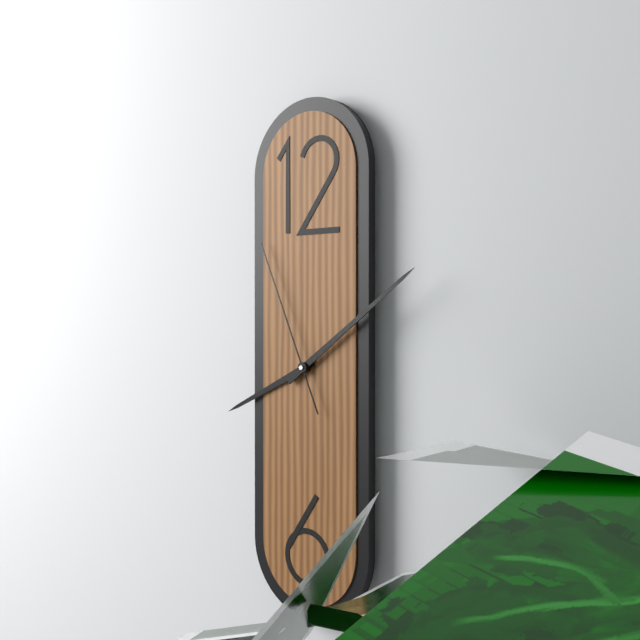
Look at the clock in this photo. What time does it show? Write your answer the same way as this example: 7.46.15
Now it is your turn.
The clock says 8.09.56
